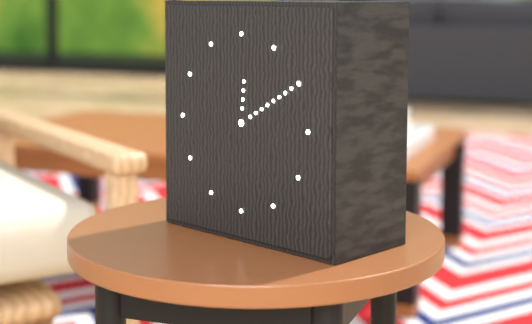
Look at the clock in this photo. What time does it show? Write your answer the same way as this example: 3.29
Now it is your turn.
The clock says 12.10
